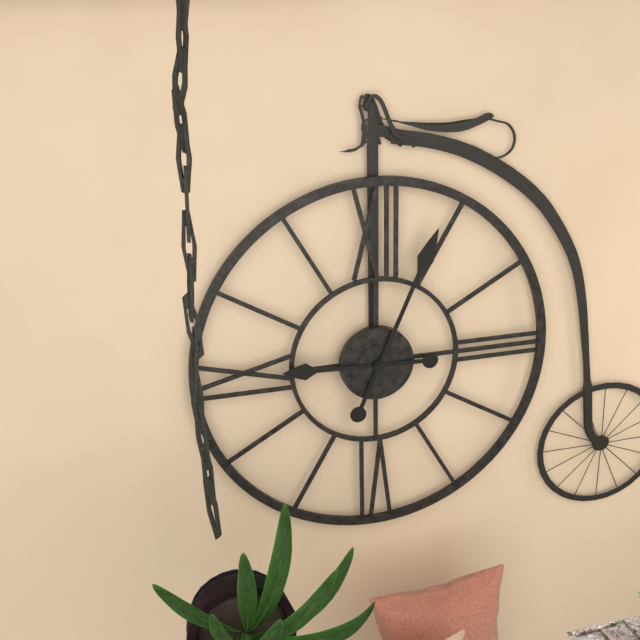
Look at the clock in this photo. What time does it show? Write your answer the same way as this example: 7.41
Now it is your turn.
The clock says 9.04
